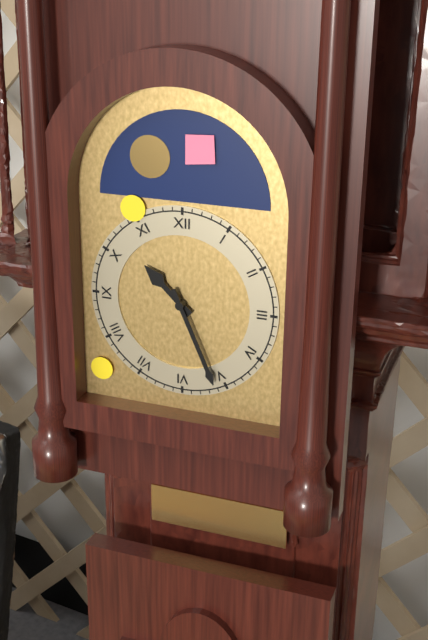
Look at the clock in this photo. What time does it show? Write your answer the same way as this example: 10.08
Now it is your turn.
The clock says 10.26
